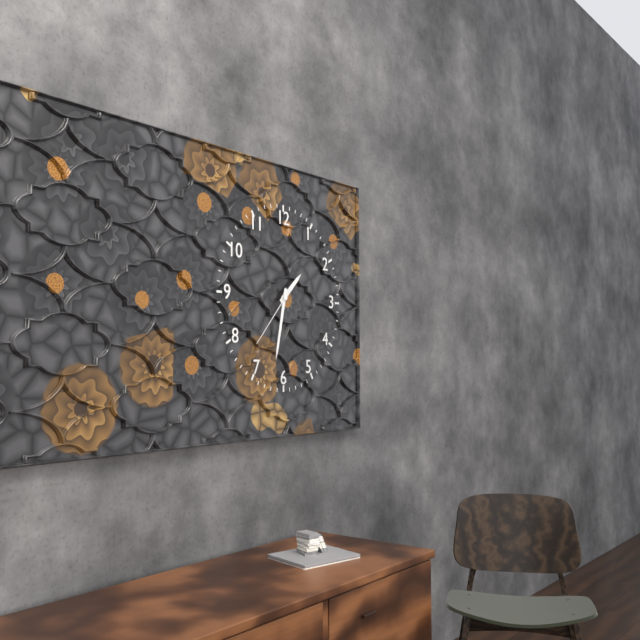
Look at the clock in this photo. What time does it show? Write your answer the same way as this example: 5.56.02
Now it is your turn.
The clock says 1.32.37
